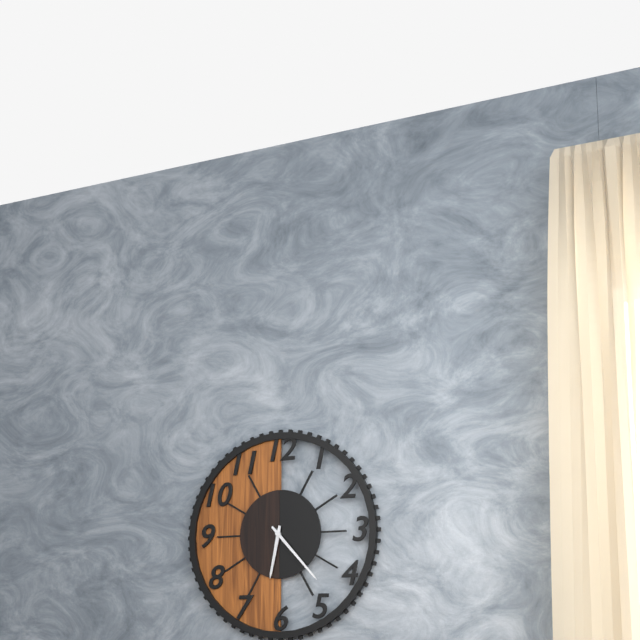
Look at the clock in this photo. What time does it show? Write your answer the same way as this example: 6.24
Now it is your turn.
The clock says 6.23
